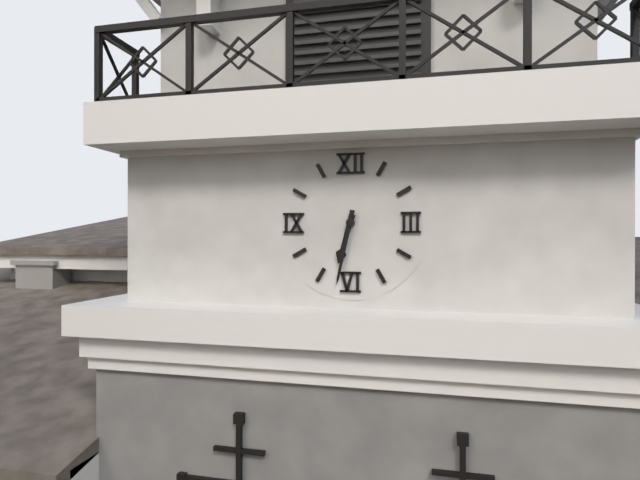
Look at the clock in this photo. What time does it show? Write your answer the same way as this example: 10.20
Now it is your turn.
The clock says 6.32
